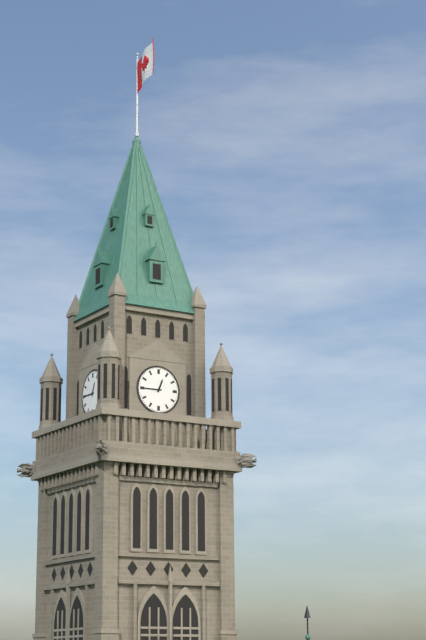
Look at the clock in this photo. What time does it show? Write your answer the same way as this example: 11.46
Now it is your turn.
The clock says 12.45
